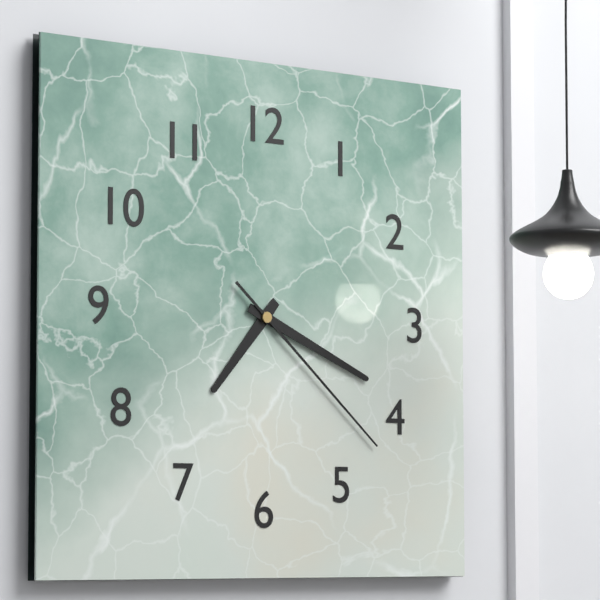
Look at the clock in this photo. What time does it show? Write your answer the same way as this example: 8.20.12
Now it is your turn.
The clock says 7.19.22
